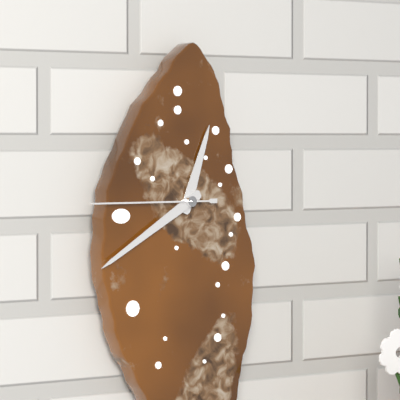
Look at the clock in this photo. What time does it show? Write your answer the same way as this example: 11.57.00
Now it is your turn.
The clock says 12.40.45
